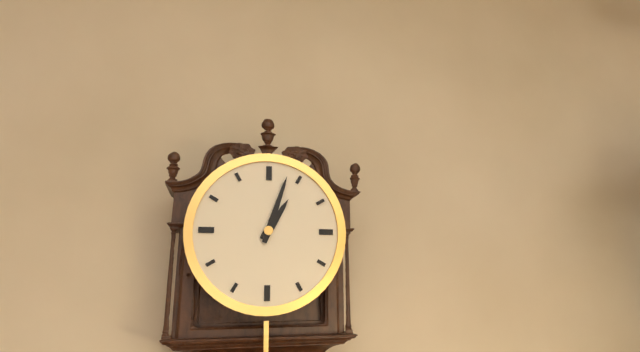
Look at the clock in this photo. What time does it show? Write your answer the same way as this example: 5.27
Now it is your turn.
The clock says 1.03
